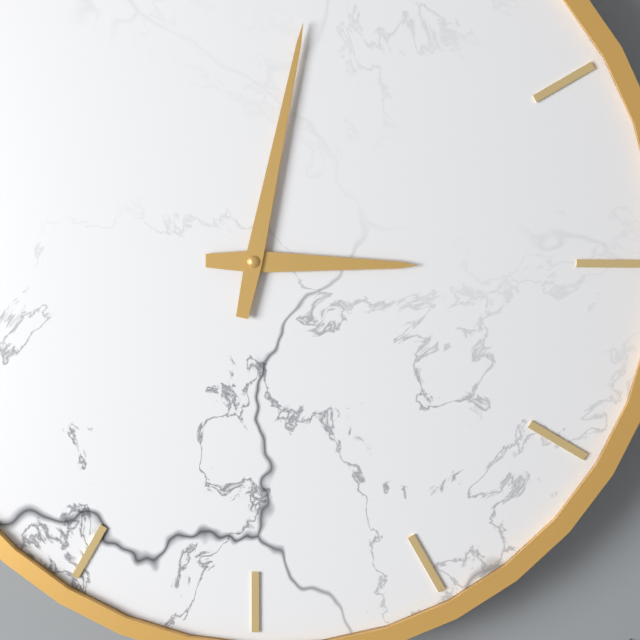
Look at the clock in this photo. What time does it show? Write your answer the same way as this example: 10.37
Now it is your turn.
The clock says 3.02
